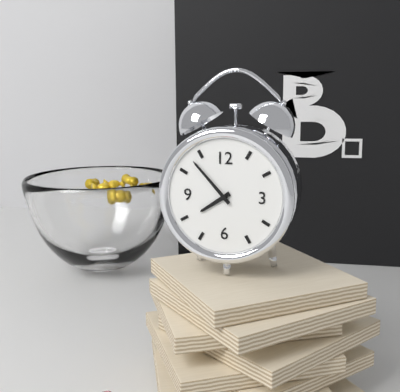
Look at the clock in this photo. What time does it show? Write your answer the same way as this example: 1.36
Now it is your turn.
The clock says 7.53
